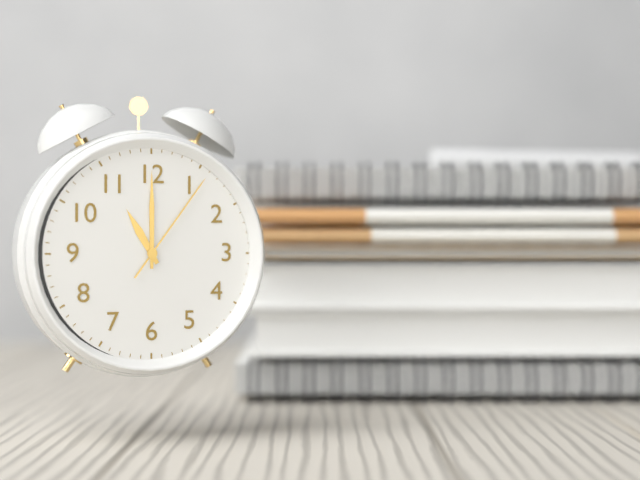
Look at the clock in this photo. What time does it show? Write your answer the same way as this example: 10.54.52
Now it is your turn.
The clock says 11.00.06
